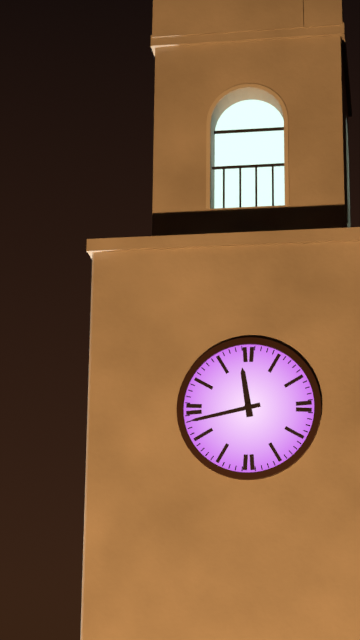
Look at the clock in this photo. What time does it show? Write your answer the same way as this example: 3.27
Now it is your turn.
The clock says 11.43
